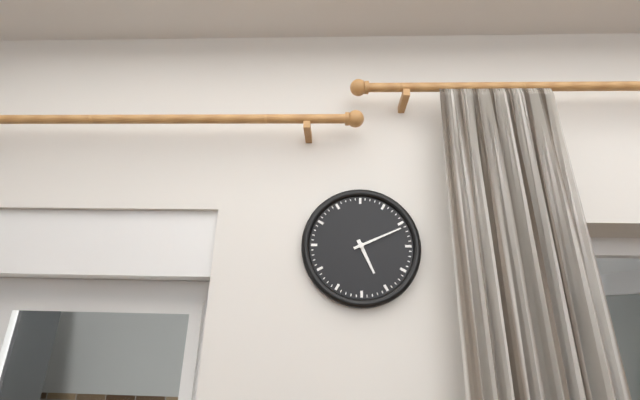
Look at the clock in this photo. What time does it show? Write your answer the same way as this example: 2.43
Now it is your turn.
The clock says 5.11
